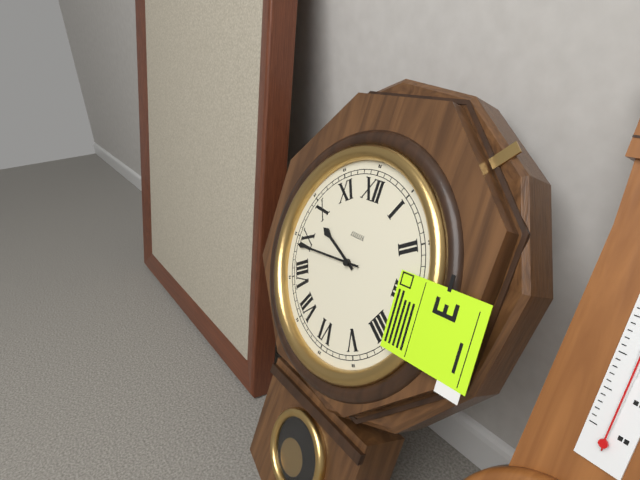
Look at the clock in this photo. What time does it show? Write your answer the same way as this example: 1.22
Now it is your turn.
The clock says 9.44
